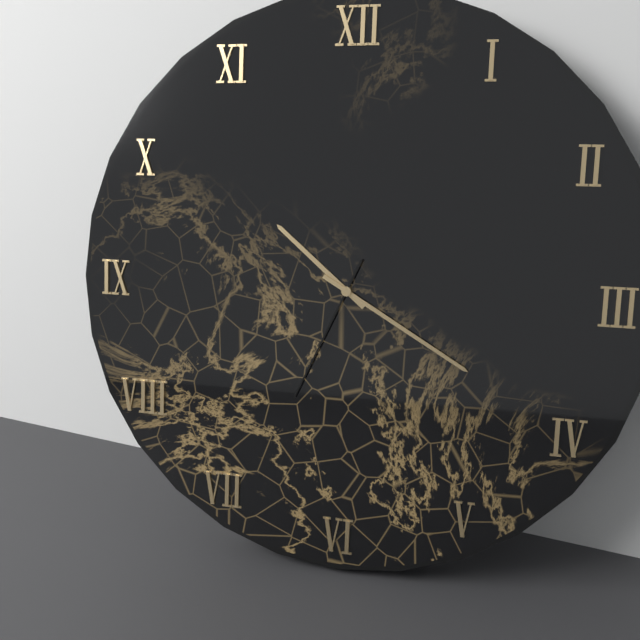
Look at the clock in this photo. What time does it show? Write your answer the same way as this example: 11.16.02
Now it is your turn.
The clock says 10.20.34
